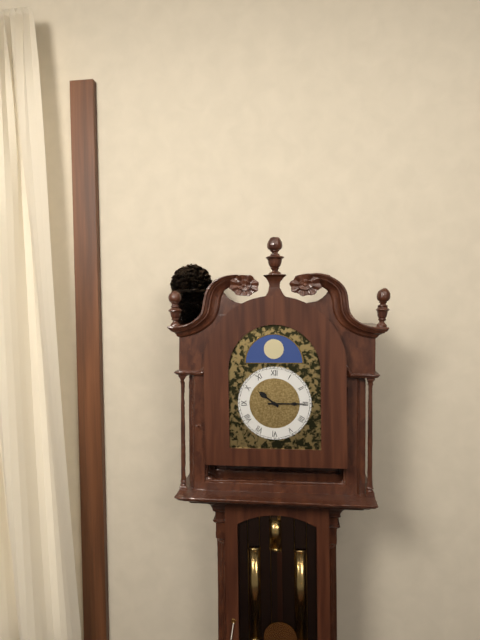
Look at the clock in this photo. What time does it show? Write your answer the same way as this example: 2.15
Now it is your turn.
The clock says 10.15
